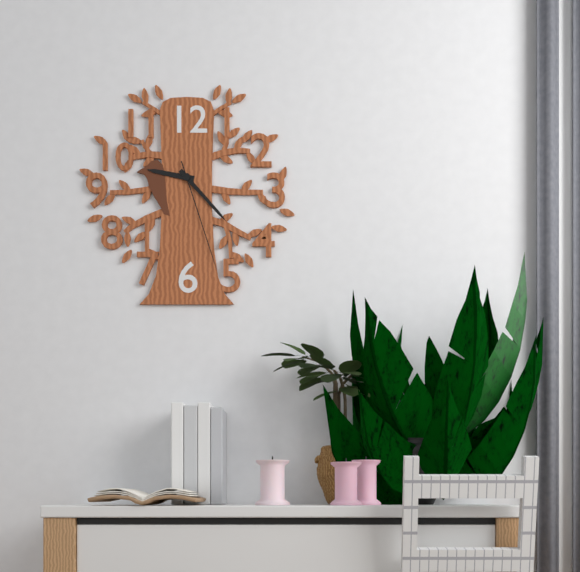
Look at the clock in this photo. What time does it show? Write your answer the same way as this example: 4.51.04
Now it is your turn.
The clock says 9.23.27
